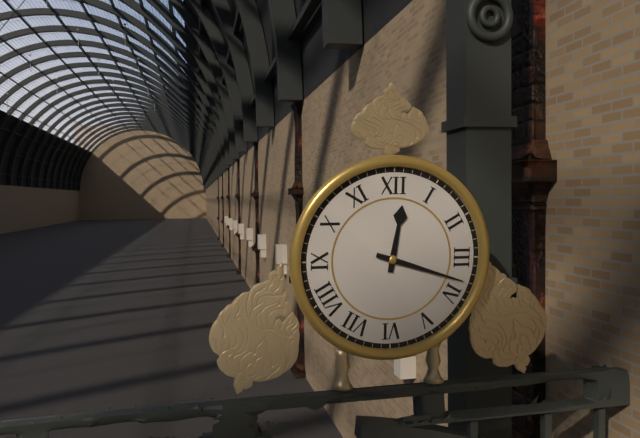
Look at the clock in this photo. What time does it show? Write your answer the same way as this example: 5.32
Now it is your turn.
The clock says 12.18
